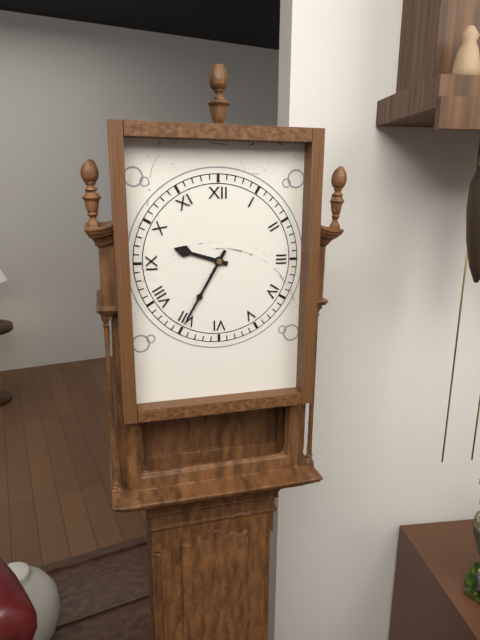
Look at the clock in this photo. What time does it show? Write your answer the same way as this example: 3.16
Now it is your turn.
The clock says 9.35
